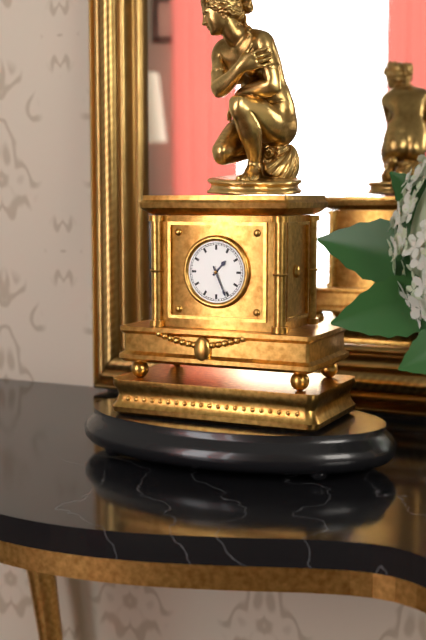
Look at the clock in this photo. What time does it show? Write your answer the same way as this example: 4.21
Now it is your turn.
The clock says 1.26
